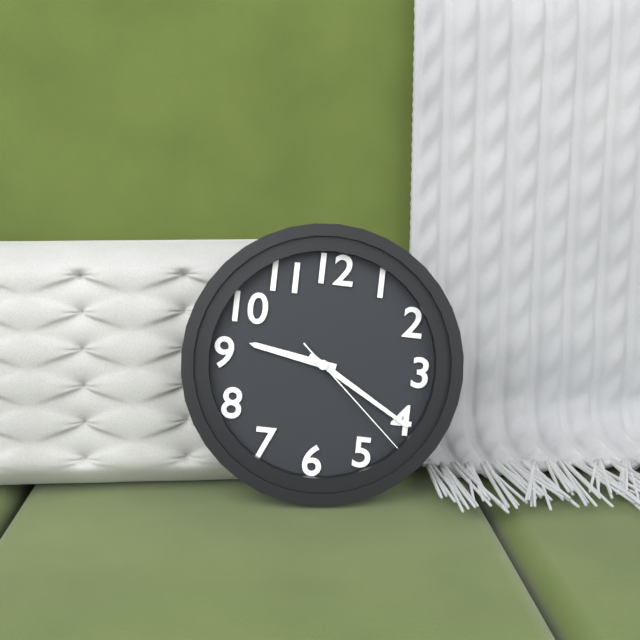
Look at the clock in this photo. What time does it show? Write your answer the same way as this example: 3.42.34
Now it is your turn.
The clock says 9.20.22
